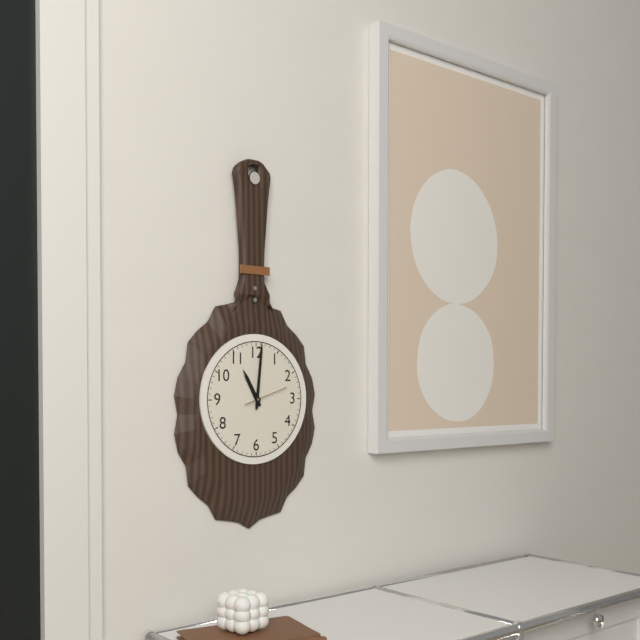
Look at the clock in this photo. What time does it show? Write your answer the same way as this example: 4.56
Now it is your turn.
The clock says 11.01
